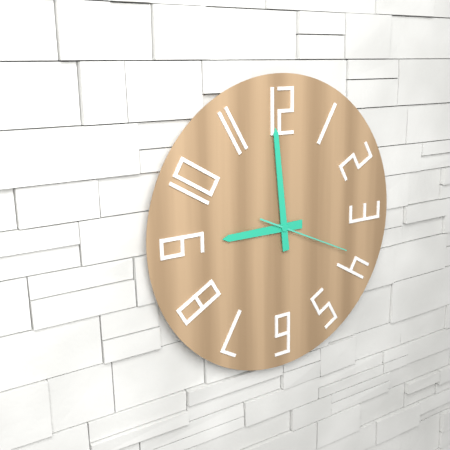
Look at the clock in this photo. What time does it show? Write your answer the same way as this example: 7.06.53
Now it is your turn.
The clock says 8.59.19
